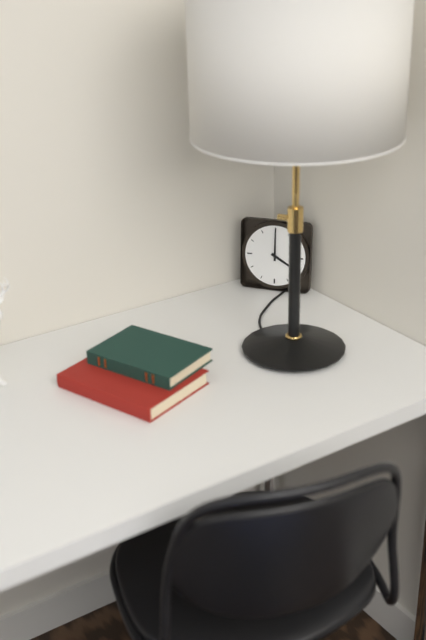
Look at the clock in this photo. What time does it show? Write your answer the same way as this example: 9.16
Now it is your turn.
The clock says 4.00
